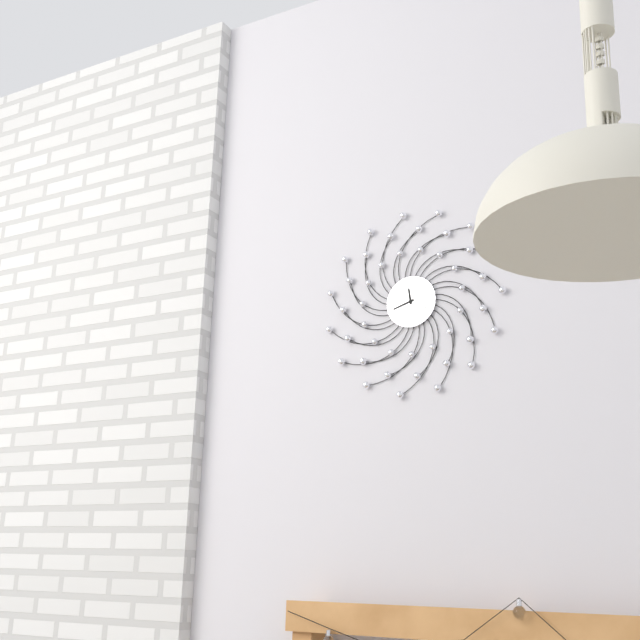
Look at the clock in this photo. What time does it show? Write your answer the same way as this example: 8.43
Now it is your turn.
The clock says 11.42
